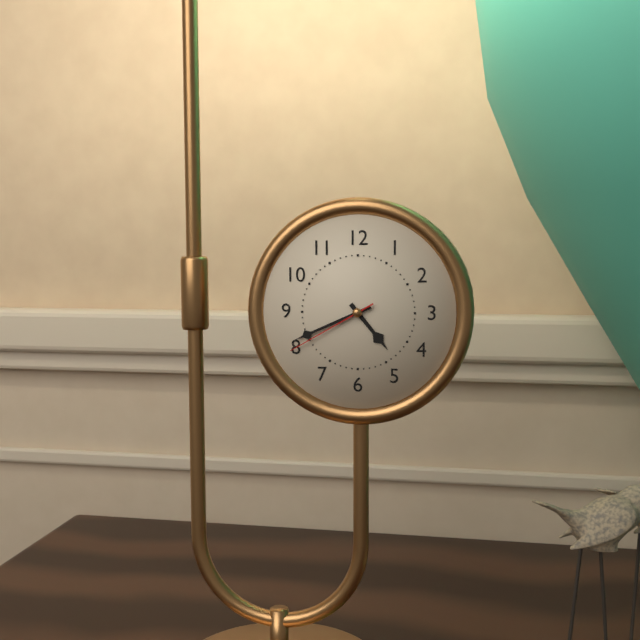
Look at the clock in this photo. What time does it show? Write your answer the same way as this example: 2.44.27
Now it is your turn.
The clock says 4.41.40
